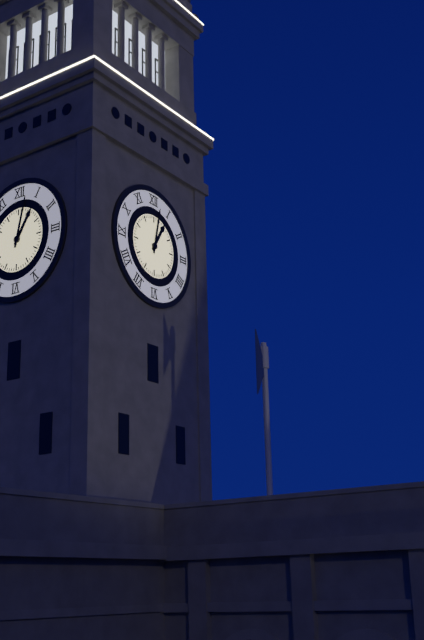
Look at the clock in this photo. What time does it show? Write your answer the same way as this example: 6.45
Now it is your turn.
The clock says 1.02
